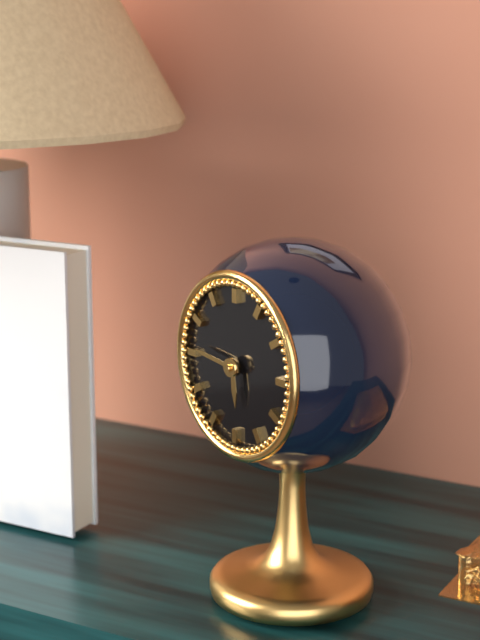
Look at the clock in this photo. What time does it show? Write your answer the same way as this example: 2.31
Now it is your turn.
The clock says 5.46
